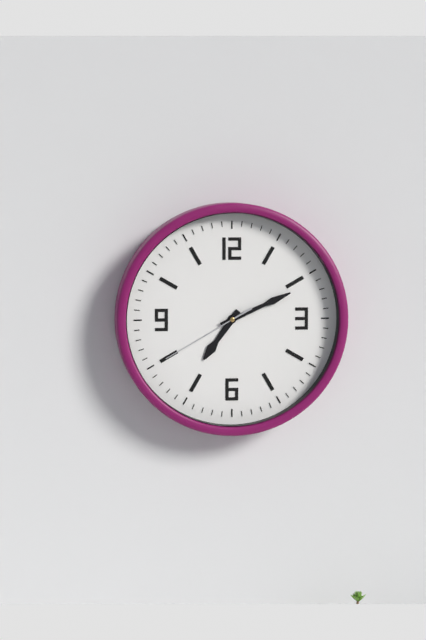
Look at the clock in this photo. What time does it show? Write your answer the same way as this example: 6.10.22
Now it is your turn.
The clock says 7.11.40
